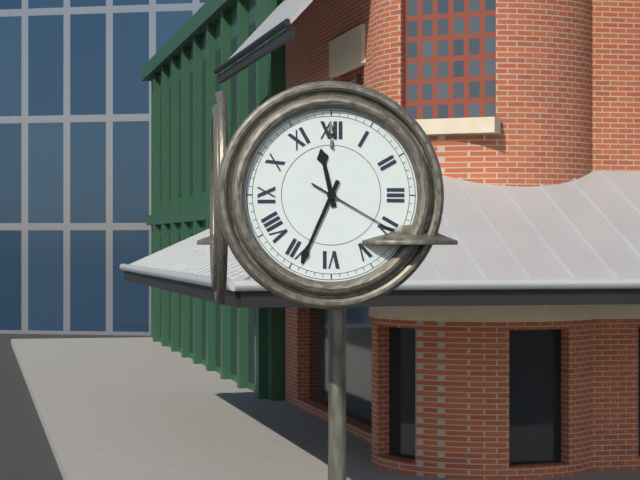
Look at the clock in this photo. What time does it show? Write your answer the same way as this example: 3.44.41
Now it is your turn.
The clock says 11.34.20
